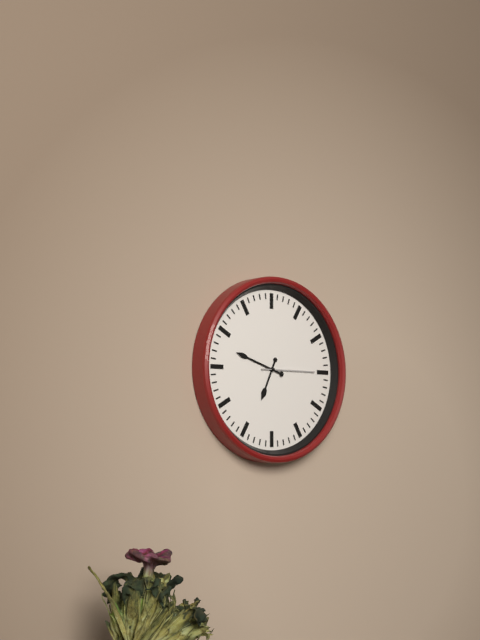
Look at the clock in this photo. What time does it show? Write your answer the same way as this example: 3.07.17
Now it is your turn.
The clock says 6.48.15
